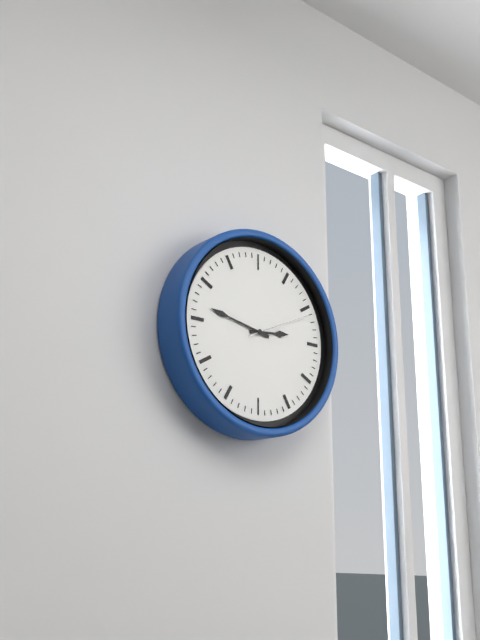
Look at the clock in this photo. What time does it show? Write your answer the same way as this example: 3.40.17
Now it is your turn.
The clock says 2.47.11
